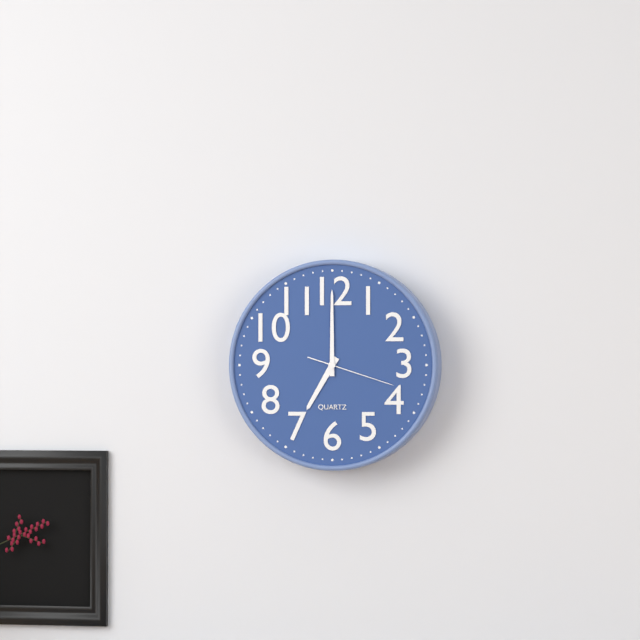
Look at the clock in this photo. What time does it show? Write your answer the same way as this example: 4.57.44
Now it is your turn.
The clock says 7.00.18
